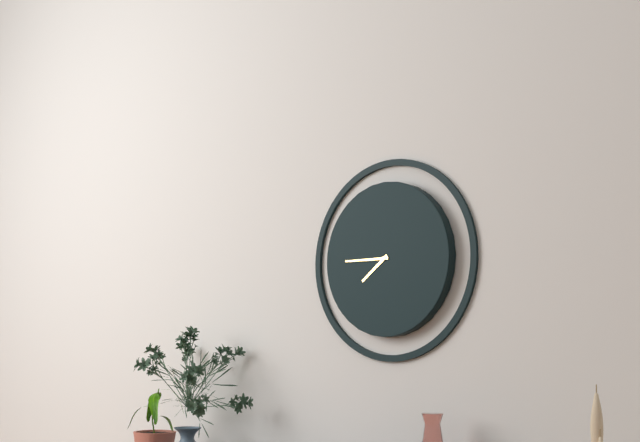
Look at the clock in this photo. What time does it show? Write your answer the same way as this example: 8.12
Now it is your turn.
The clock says 7.45
